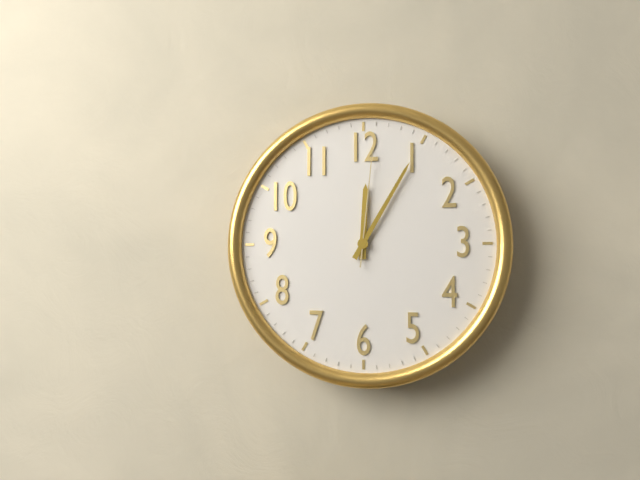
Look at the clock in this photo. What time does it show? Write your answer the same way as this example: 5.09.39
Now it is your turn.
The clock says 12.05.01
